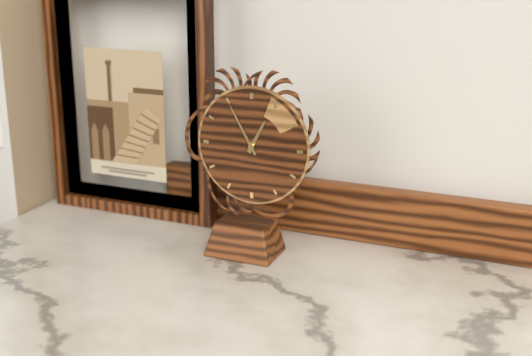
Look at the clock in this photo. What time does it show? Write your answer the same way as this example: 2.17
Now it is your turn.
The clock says 12.55
